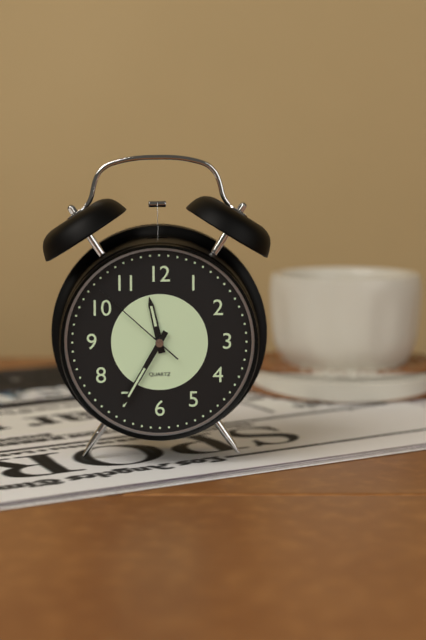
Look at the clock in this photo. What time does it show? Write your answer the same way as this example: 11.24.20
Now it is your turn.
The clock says 11.35.52
